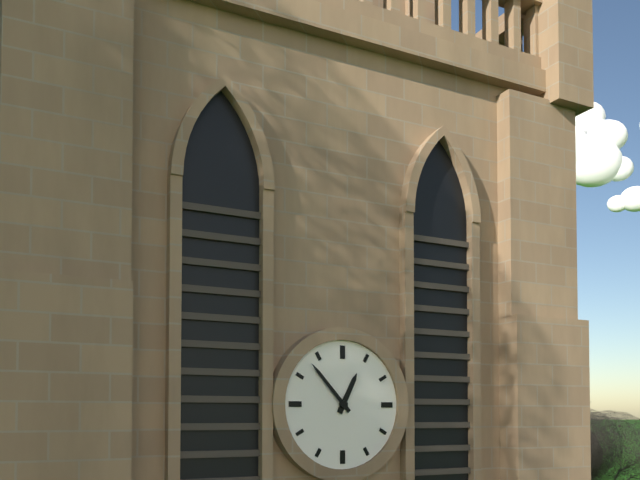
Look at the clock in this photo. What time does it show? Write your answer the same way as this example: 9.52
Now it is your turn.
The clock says 12.53
